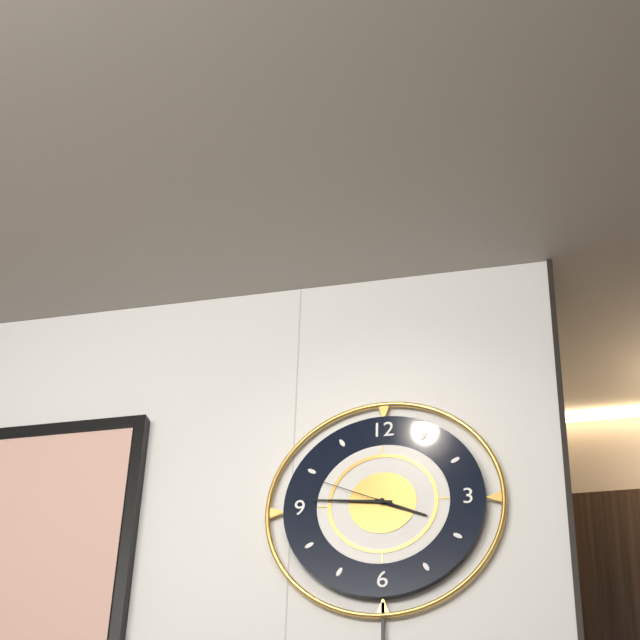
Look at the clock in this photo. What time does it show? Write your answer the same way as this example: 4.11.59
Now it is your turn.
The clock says 3.46.49
